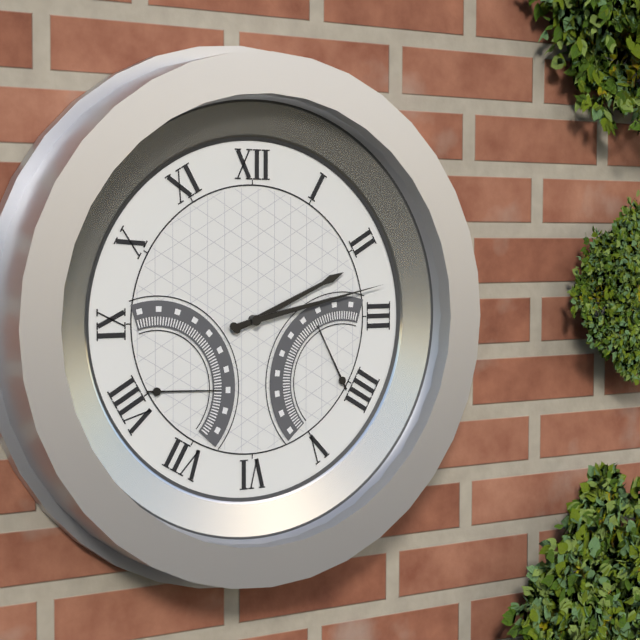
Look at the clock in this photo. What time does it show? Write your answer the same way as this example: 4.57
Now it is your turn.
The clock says 2.13
